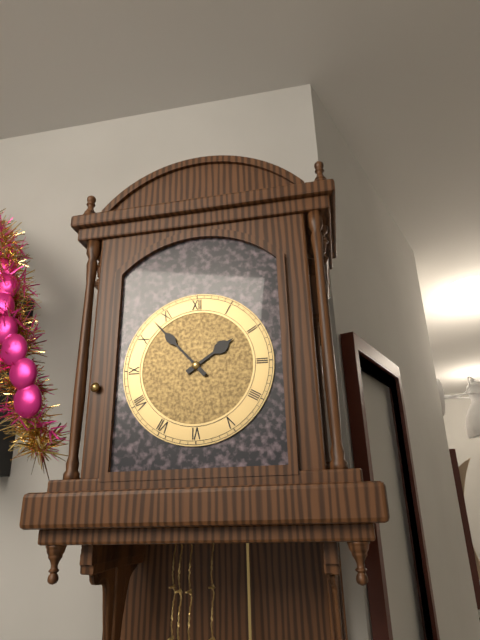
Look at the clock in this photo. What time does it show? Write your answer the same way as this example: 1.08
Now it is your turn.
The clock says 1.53
